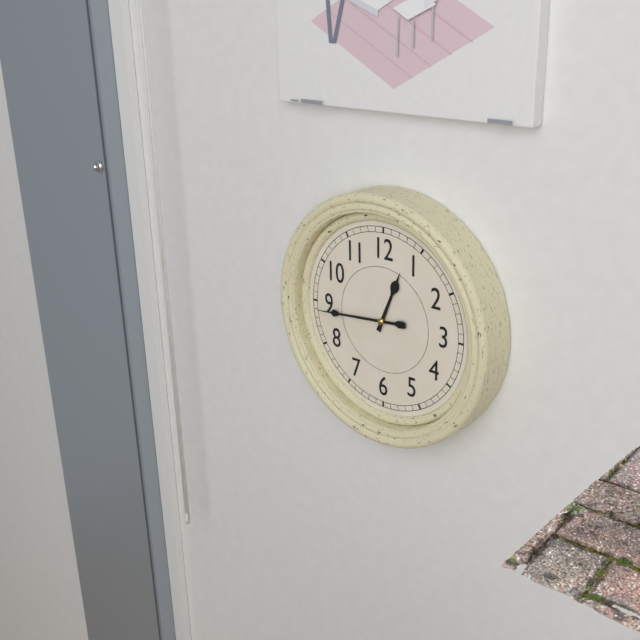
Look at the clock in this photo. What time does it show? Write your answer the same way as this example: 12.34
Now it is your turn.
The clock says 12.44
